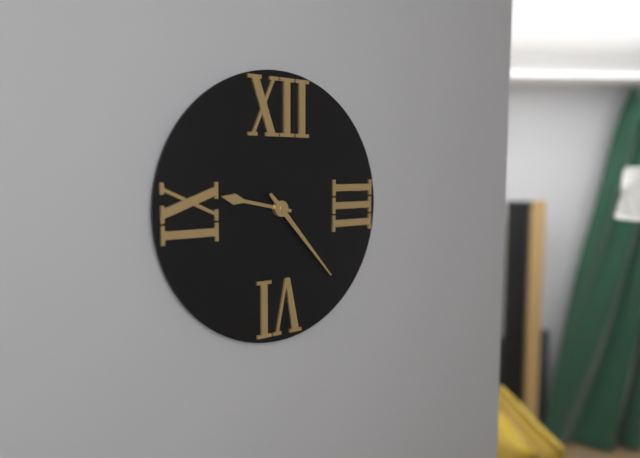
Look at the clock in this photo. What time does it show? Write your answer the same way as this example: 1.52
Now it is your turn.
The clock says 9.23
